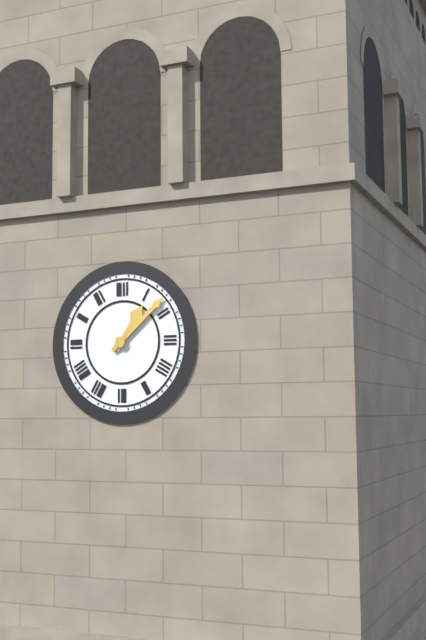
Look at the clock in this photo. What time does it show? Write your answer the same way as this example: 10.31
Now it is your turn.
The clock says 1.08
